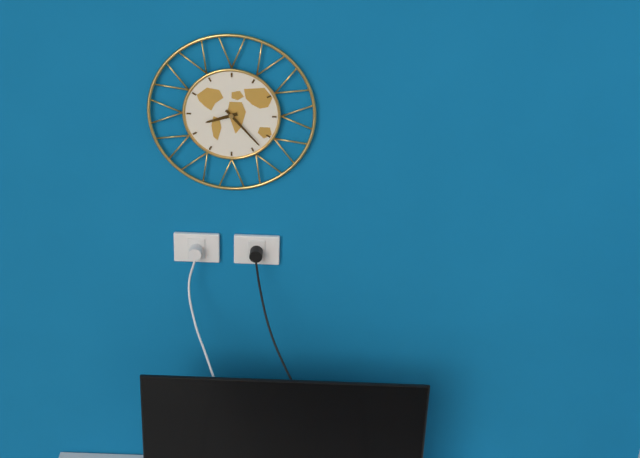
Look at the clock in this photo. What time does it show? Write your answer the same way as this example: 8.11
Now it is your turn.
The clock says 8.23
